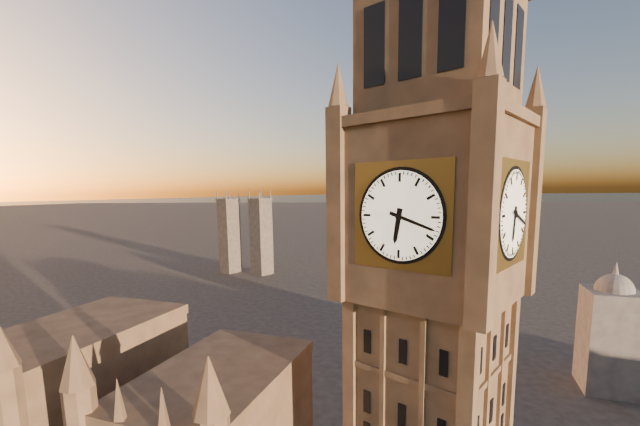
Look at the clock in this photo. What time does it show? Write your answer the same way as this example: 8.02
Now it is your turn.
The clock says 6.18
